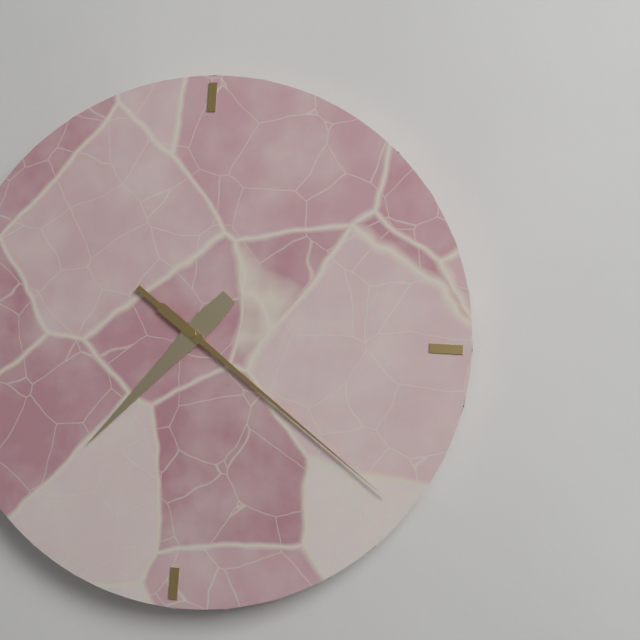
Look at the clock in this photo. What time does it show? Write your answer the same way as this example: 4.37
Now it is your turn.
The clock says 7.21
